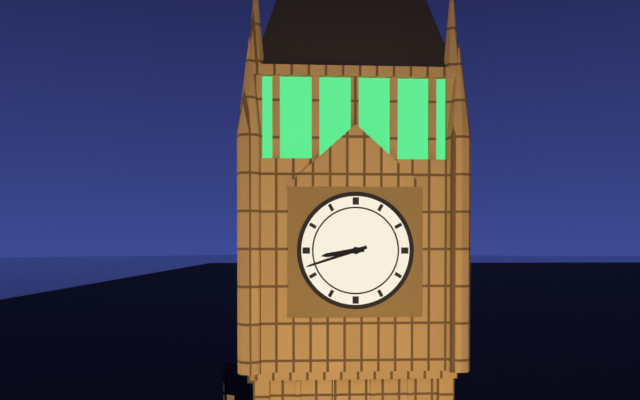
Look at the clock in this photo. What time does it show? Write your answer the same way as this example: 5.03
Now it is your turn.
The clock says 8.42
